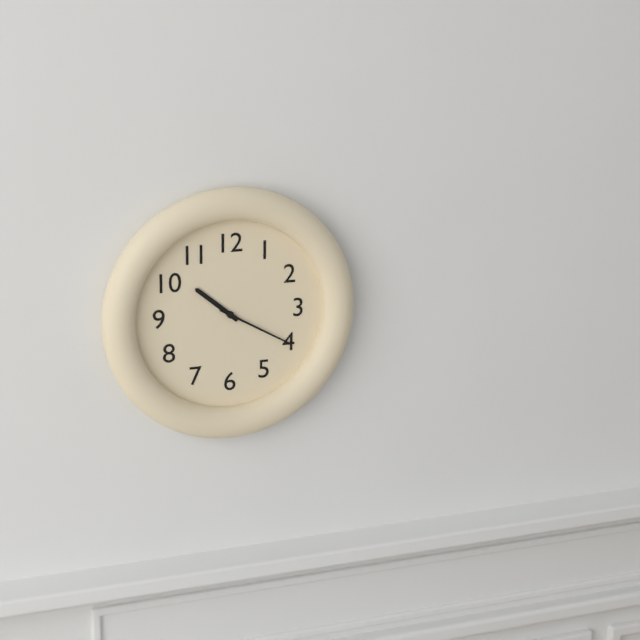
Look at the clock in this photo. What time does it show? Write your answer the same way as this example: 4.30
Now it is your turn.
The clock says 10.20
